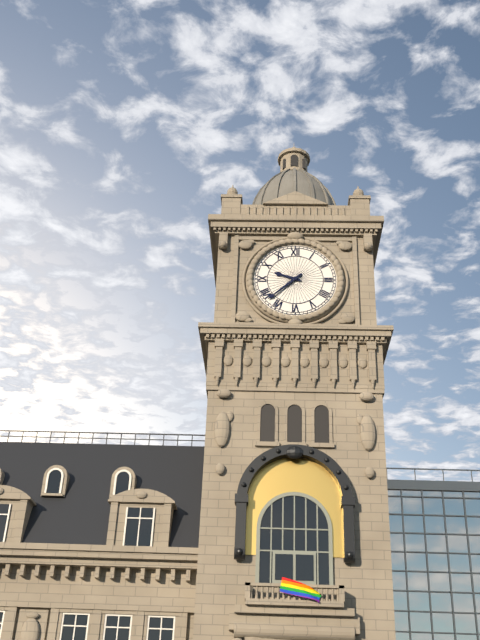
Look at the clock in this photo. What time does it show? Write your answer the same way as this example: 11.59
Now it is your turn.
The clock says 9.38
